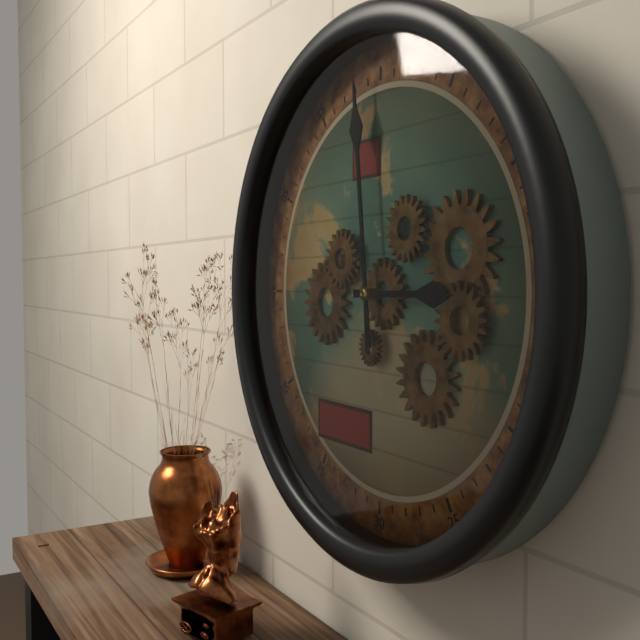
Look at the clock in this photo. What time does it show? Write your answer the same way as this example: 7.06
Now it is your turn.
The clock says 2.59
